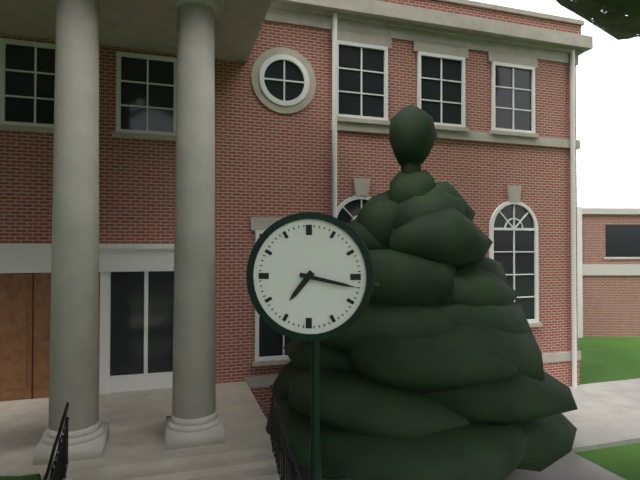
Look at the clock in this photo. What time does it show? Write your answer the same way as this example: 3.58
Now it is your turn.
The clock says 7.17
